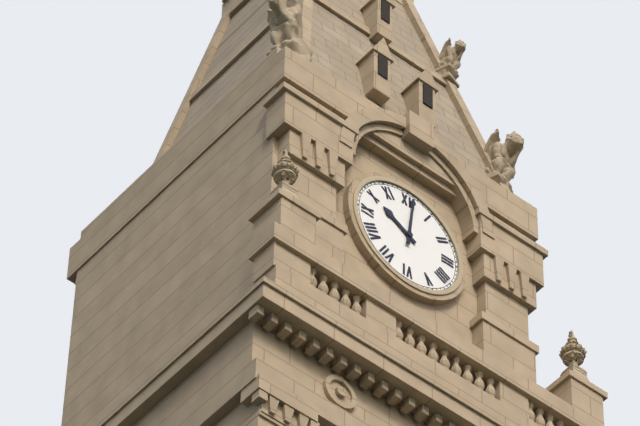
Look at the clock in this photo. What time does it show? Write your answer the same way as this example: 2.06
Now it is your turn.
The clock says 10.01
